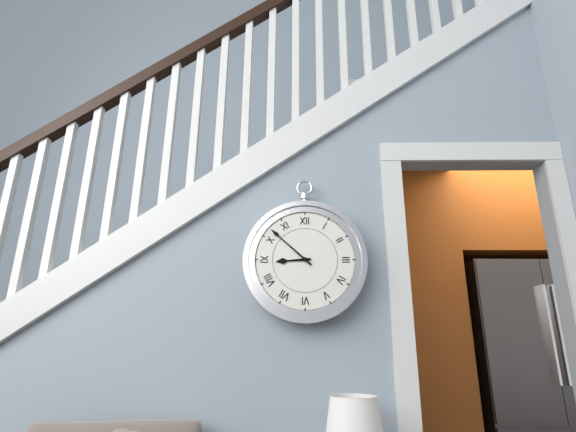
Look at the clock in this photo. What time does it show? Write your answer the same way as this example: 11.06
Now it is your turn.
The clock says 8.52
